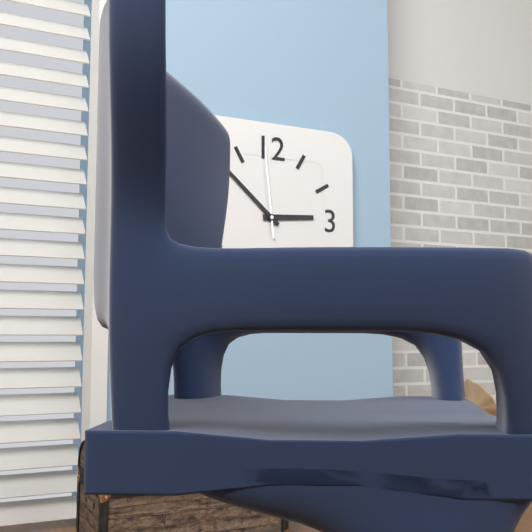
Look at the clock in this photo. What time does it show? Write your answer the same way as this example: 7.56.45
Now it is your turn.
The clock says 2.52.59
